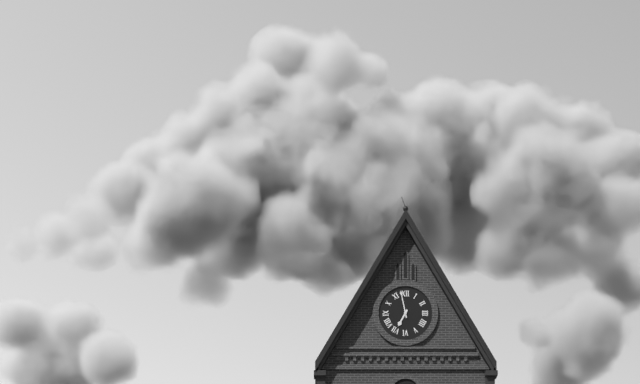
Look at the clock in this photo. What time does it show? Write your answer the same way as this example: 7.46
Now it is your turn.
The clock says 6.58
